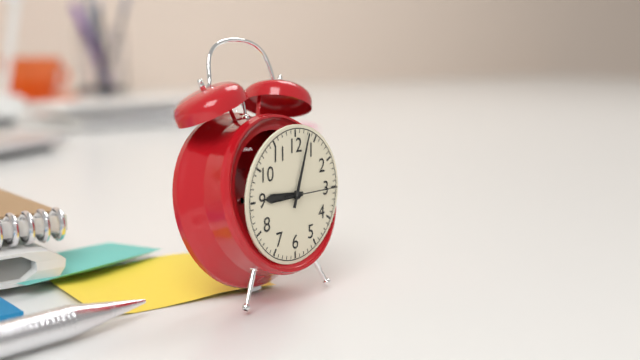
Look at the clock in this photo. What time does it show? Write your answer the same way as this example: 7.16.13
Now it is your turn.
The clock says 9.03.15
